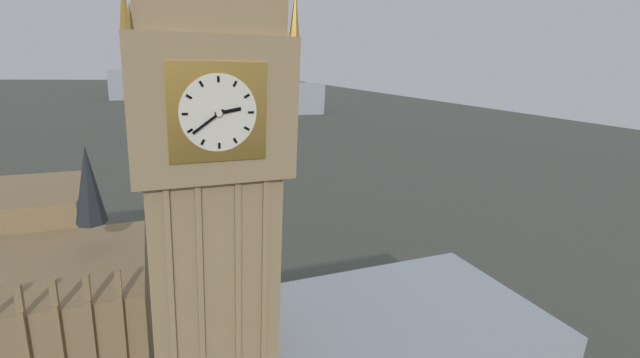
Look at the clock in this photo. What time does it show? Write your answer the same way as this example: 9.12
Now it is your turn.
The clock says 2.39
